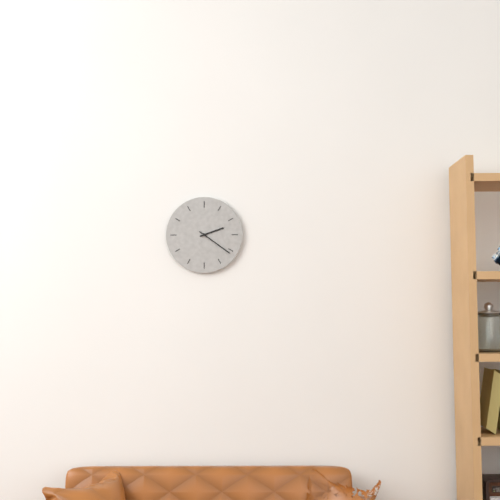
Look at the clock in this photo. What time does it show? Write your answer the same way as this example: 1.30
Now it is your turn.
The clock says 2.21
